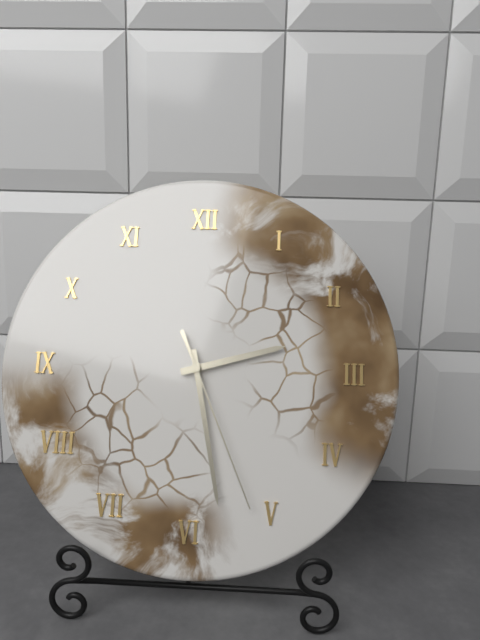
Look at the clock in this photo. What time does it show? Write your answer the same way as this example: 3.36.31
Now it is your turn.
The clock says 2.28.26
